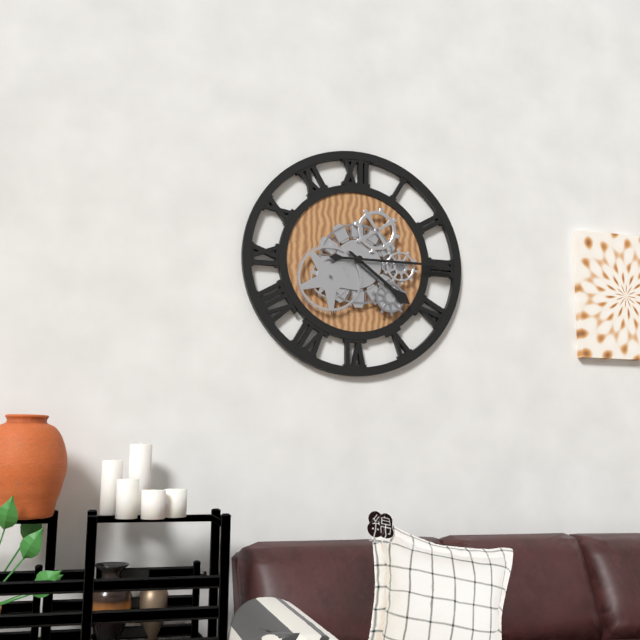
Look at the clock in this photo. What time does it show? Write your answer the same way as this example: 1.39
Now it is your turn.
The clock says 4.15
